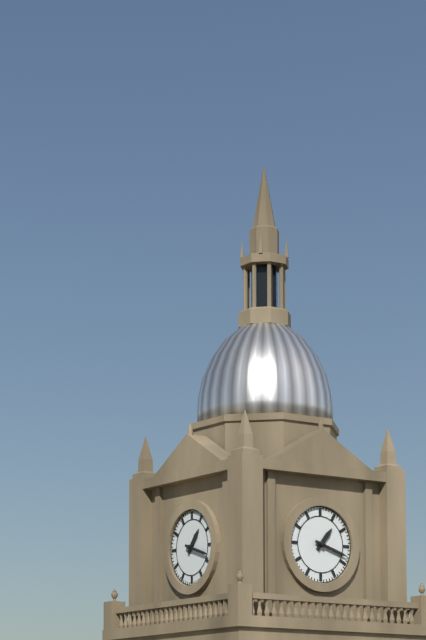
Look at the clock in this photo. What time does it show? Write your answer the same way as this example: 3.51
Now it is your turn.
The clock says 1.18
